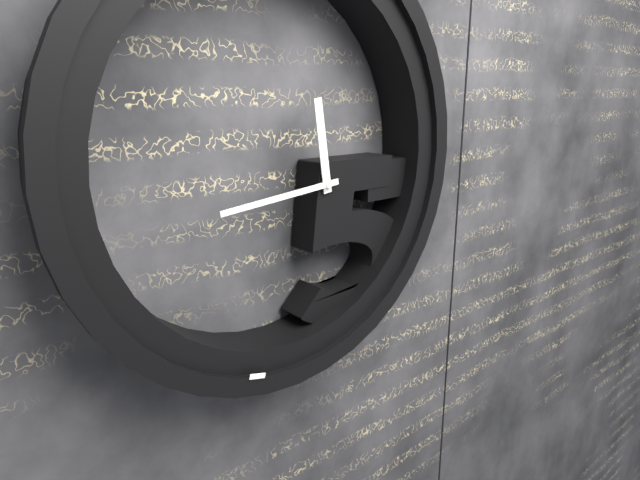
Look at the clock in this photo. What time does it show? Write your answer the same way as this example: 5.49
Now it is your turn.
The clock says 11.44
